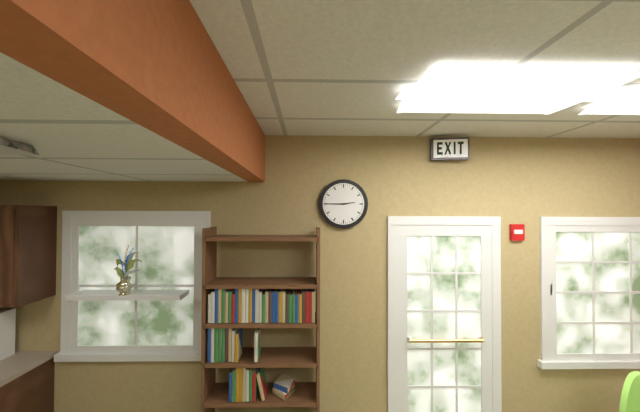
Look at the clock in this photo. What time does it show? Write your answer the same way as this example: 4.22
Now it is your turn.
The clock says 2.45
